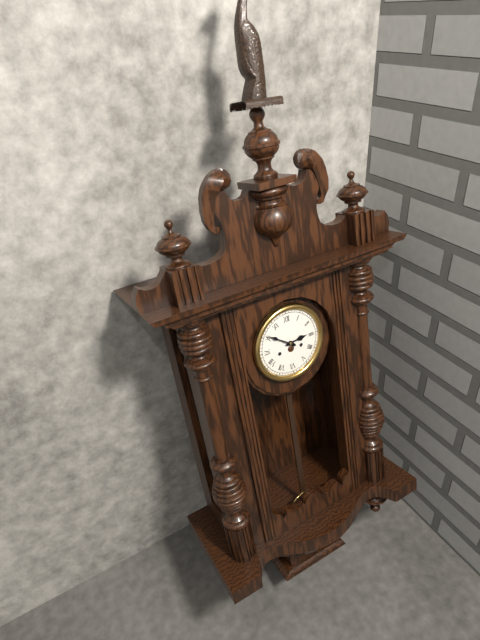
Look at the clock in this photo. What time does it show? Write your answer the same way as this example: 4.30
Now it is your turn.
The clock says 2.51
